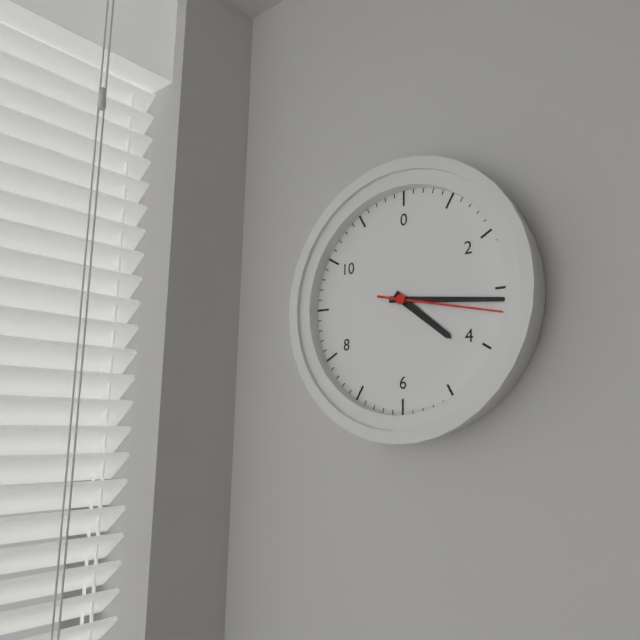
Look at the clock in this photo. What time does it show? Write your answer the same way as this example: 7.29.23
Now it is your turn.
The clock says 4.16.17
